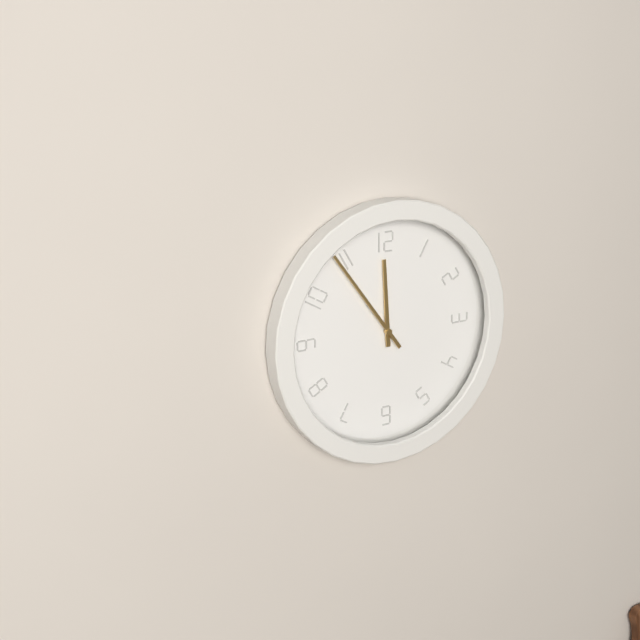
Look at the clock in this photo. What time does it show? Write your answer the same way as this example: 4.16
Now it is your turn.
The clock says 11.54
